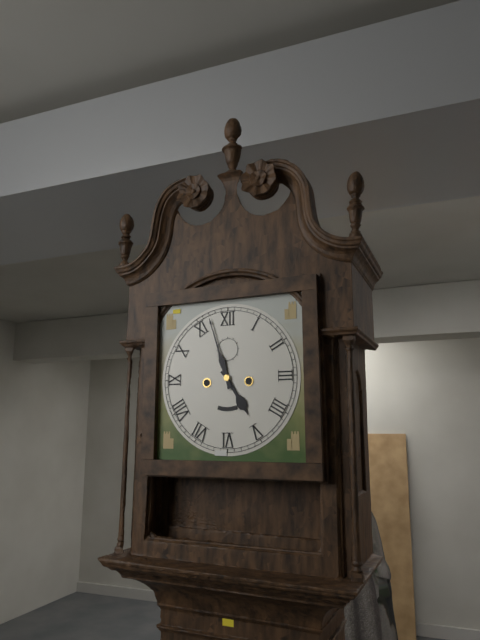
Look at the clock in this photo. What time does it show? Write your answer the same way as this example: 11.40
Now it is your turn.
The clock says 4.57
